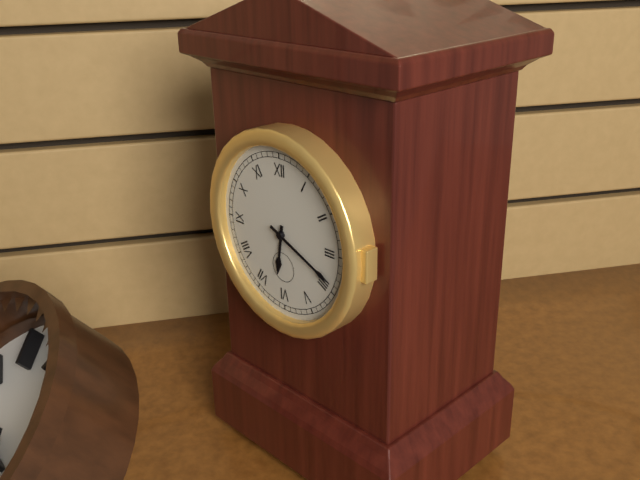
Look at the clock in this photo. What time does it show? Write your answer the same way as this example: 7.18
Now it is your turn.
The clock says 6.19
